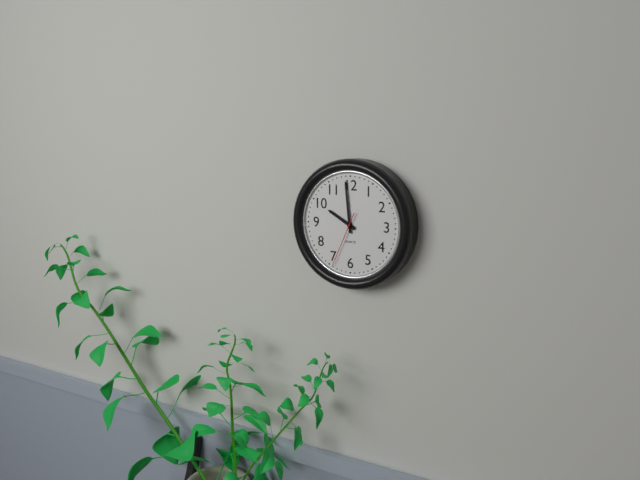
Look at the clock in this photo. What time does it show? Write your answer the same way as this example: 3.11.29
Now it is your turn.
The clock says 9.59.34
